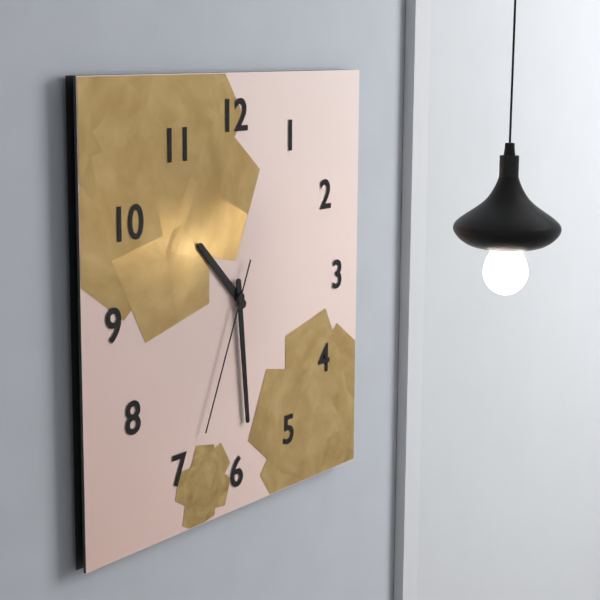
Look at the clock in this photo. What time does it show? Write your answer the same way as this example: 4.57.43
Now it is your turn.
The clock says 10.29.34
